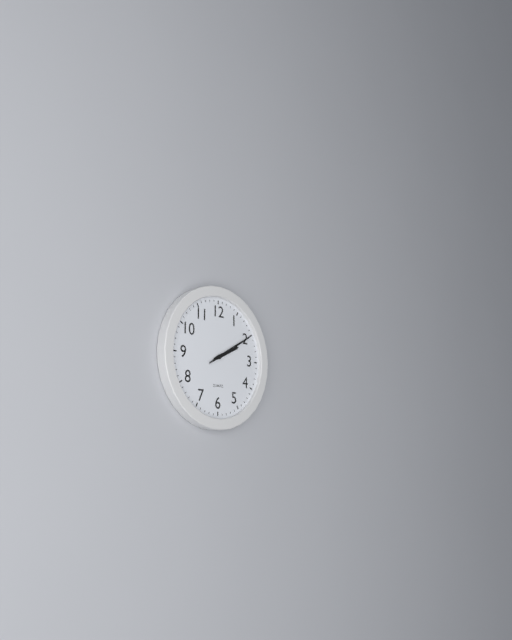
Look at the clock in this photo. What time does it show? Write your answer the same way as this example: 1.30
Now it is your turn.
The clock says 2.10
